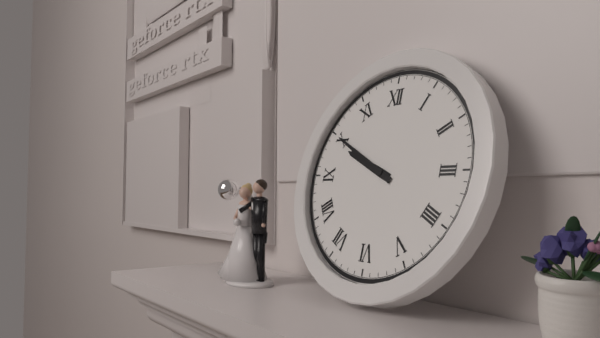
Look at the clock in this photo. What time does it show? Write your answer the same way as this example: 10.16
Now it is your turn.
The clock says 9.50
